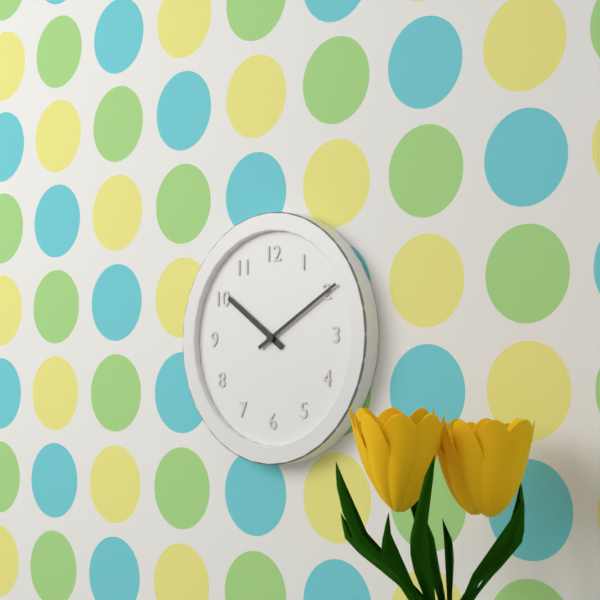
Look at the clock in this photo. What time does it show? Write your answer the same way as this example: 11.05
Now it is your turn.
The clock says 10.10
